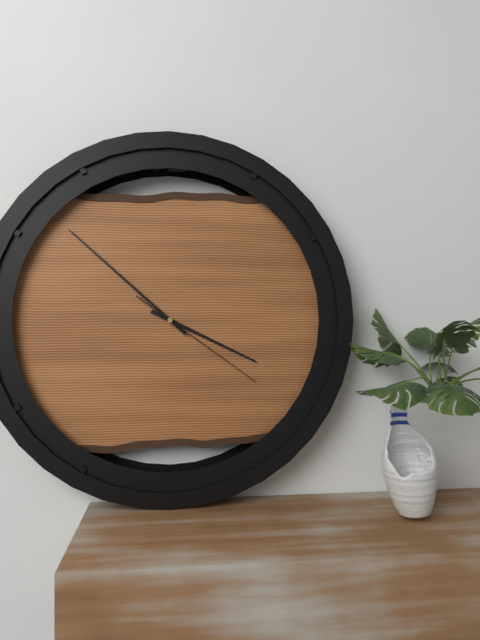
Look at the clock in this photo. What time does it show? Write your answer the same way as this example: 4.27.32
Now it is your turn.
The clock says 3.52.21
